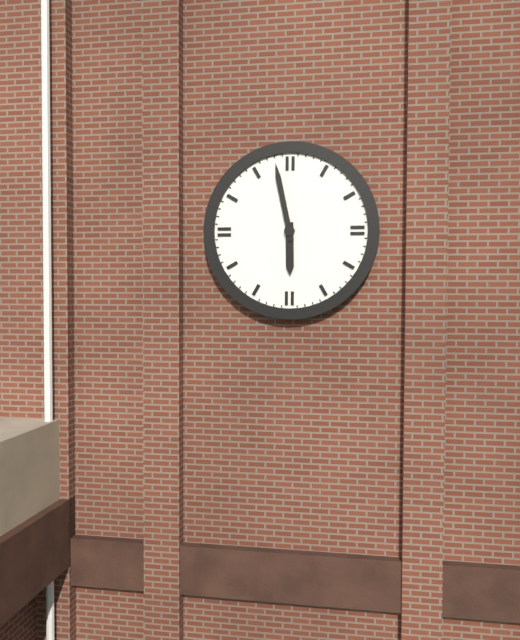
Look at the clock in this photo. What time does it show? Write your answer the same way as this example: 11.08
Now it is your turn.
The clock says 5.58
